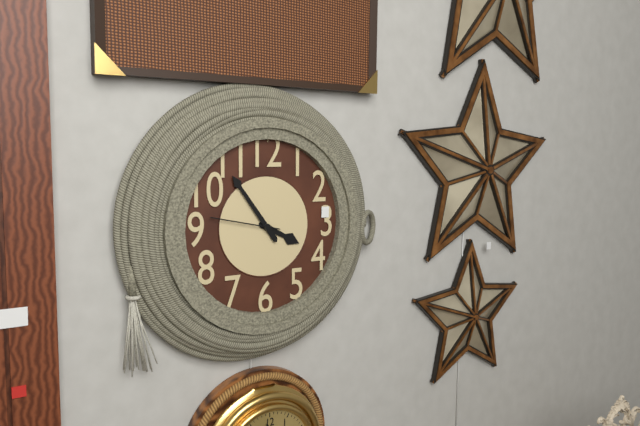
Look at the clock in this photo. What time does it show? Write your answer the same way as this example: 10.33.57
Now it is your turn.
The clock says 3.54.47
